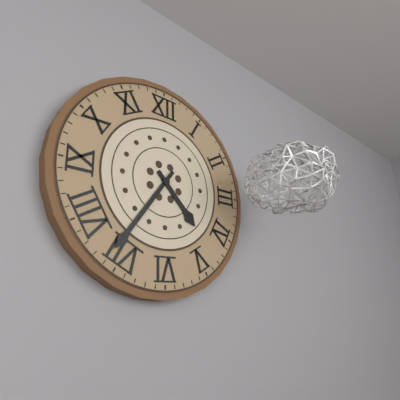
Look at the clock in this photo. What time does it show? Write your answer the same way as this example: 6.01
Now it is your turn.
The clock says 4.36
